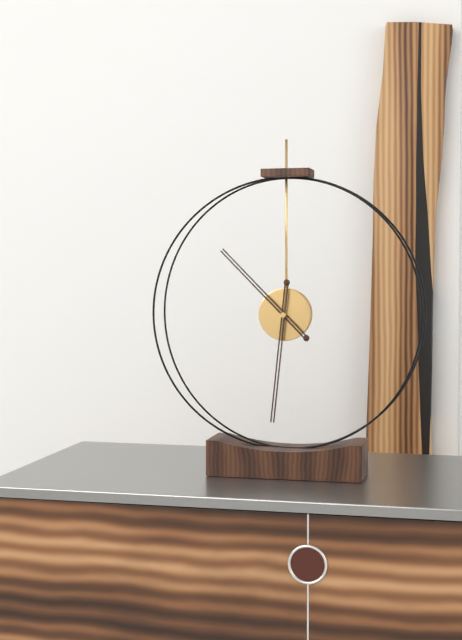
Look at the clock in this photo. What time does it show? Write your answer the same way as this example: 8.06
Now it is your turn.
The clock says 10.31
